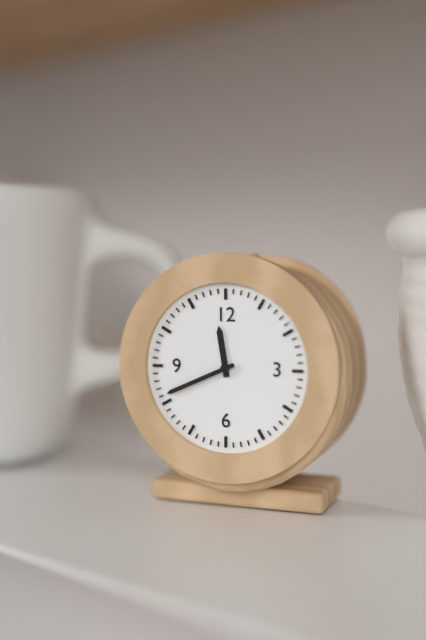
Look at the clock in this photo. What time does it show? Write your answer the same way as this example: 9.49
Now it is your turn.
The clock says 11.41
